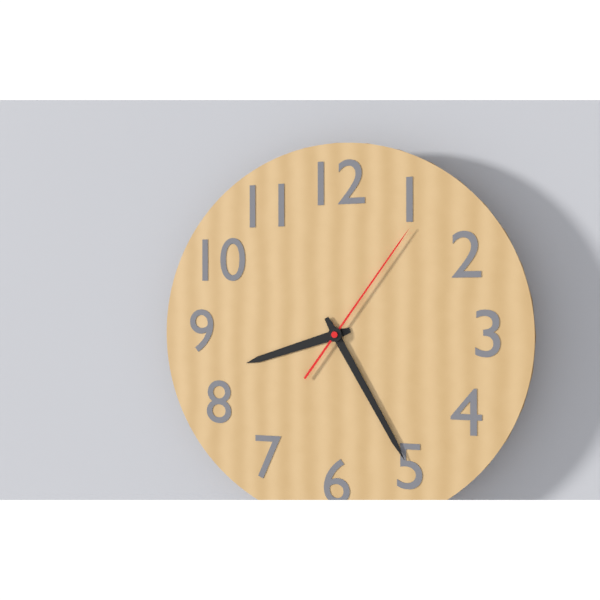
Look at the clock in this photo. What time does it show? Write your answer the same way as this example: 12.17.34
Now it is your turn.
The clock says 8.25.06
